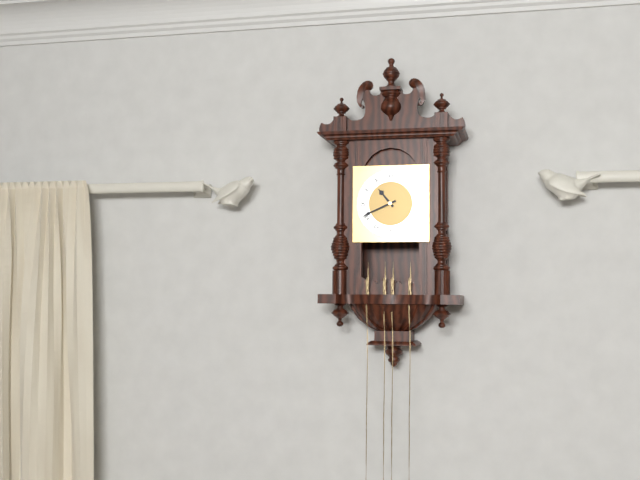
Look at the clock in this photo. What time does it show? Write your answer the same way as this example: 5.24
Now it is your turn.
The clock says 10.41
